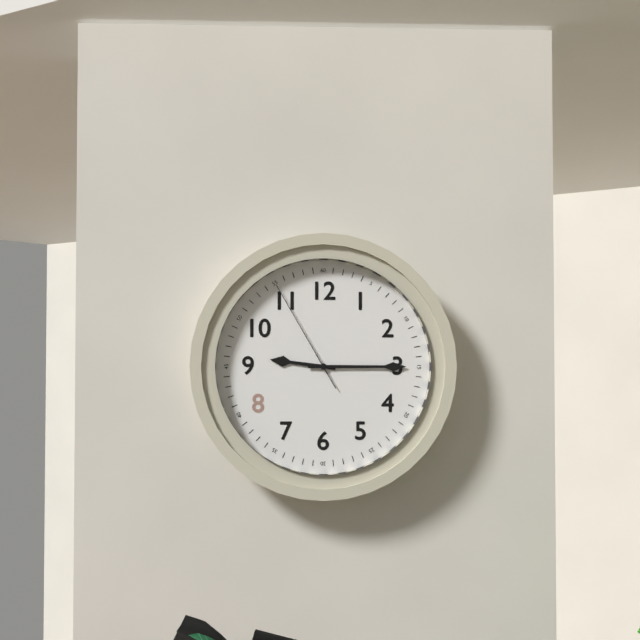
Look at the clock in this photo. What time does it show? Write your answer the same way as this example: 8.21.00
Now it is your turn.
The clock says 9.15.55
